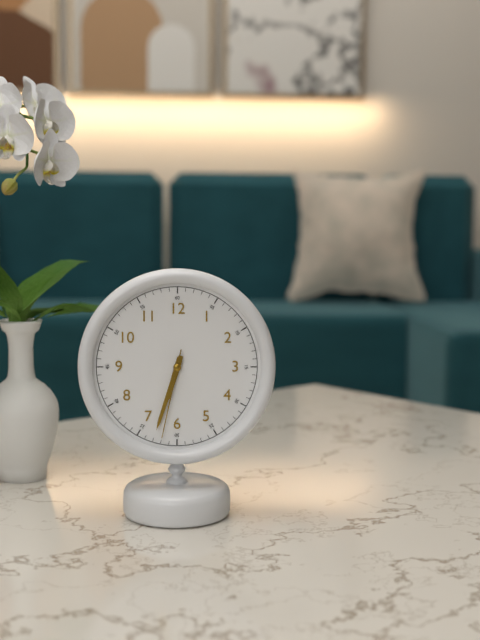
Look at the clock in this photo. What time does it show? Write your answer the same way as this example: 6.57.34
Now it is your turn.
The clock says 6.33.32
